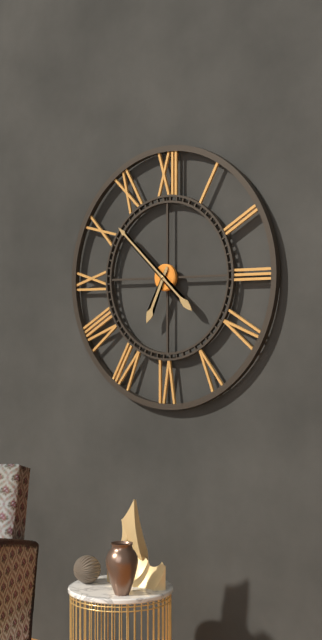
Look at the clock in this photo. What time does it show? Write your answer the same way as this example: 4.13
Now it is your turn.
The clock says 6.52
